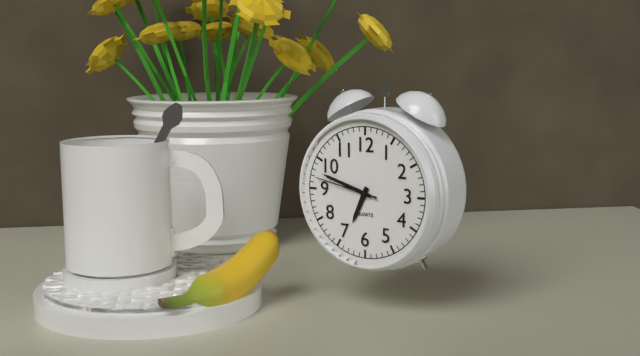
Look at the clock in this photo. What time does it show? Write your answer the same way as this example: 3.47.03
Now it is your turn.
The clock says 6.48.47
